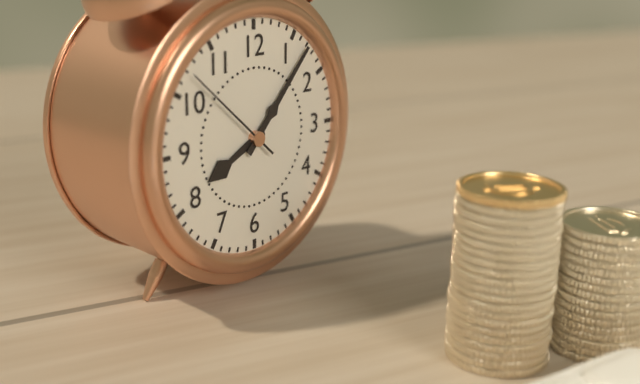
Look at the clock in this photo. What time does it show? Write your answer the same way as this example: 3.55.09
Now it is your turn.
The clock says 8.07.52
